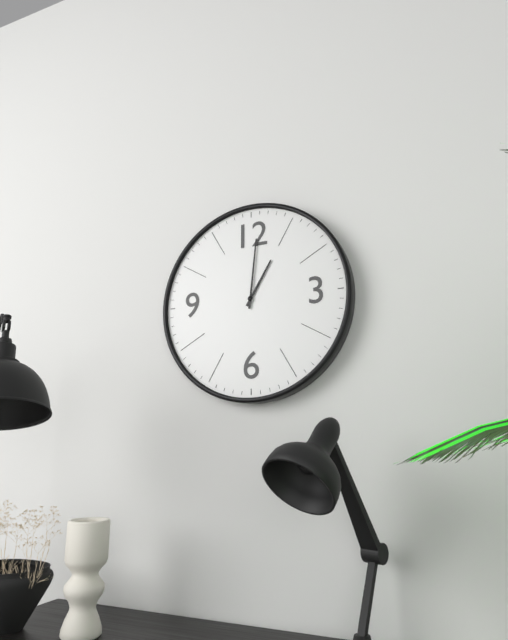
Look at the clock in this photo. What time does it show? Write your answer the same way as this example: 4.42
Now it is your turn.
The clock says 1.01
